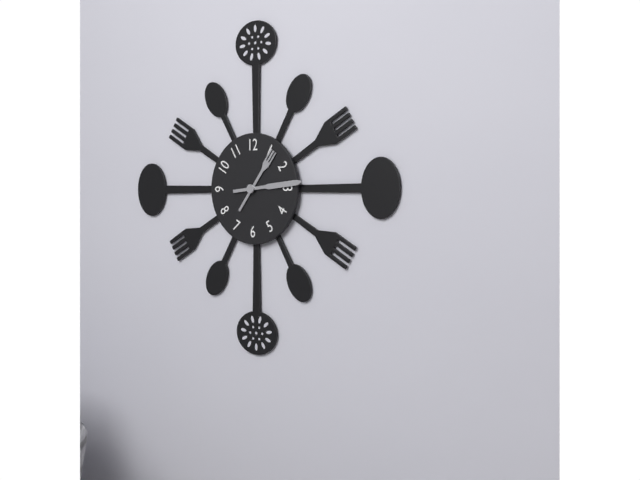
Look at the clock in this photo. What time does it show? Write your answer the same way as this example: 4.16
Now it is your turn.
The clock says 1.14
